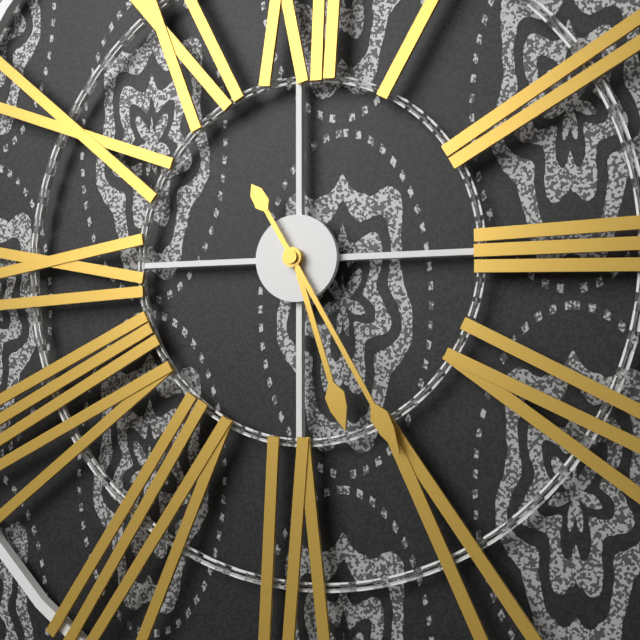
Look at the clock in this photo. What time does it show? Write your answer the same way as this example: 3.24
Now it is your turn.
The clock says 5.25
